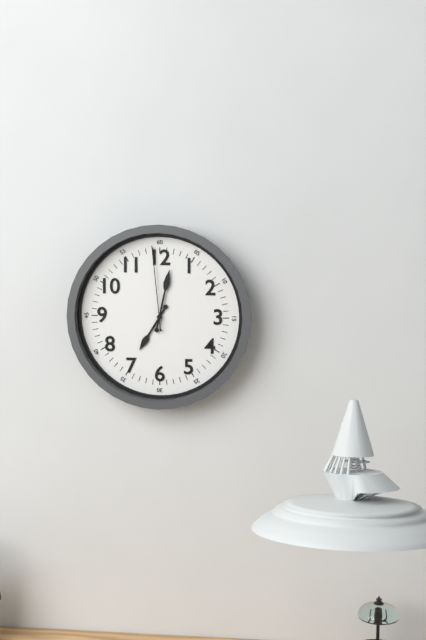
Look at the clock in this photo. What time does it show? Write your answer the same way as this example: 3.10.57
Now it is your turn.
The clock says 7.02.59
